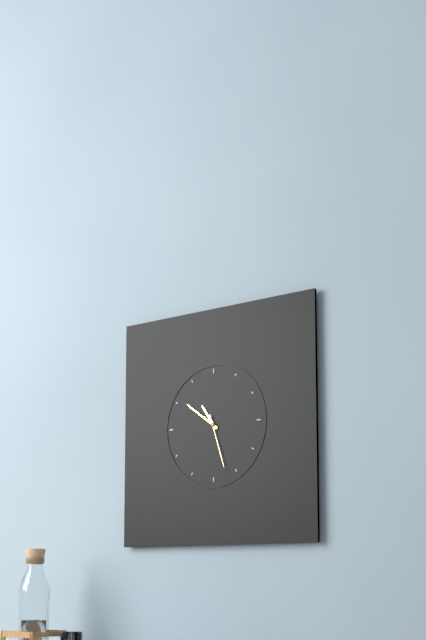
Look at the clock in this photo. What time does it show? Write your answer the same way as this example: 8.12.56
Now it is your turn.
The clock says 10.51.27
